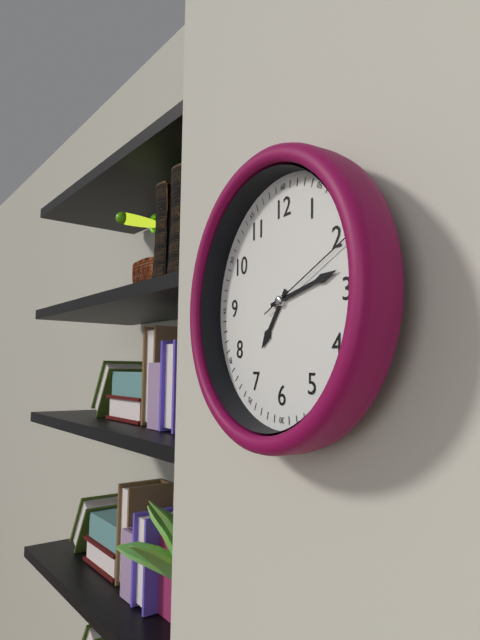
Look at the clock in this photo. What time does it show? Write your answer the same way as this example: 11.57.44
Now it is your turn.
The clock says 7.13.11
